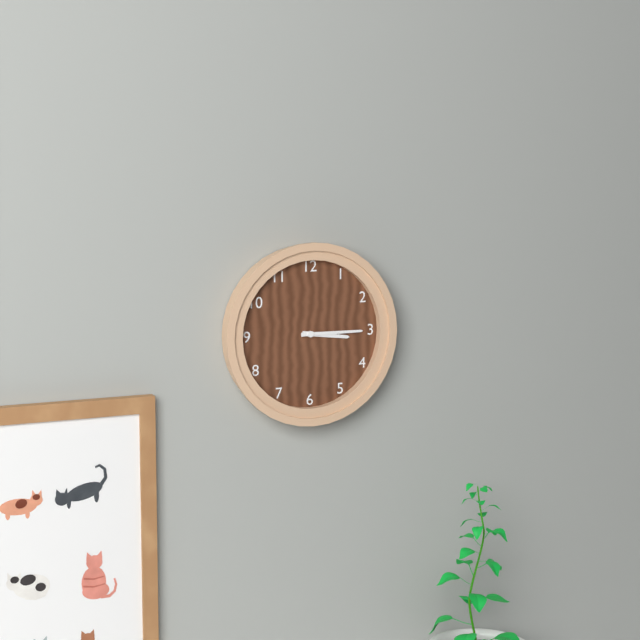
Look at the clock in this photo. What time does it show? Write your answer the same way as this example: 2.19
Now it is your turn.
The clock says 3.15
